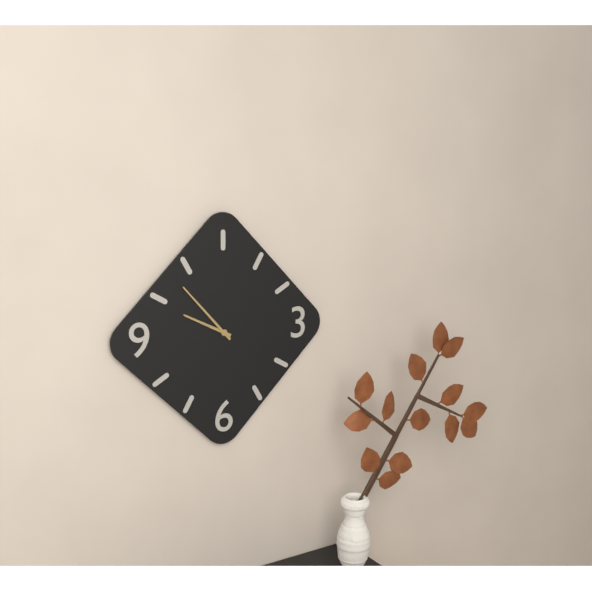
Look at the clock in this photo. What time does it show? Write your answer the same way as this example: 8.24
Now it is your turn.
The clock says 9.53
